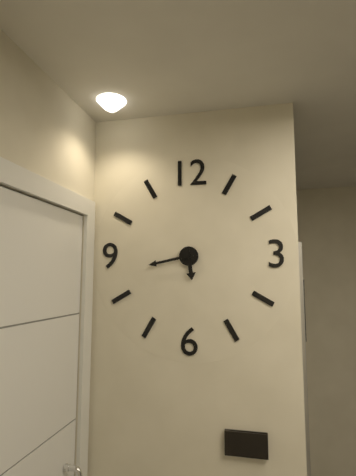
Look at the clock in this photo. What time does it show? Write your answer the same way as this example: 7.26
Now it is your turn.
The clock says 5.43
